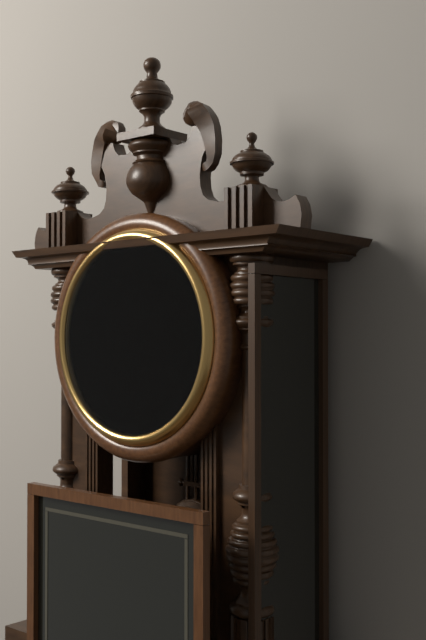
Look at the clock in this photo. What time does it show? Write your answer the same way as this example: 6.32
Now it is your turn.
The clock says 5.40
